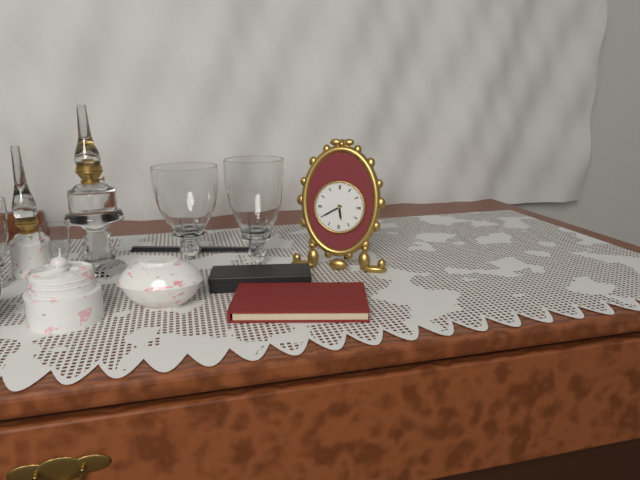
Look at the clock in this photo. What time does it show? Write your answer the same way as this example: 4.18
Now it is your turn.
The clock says 5.40
